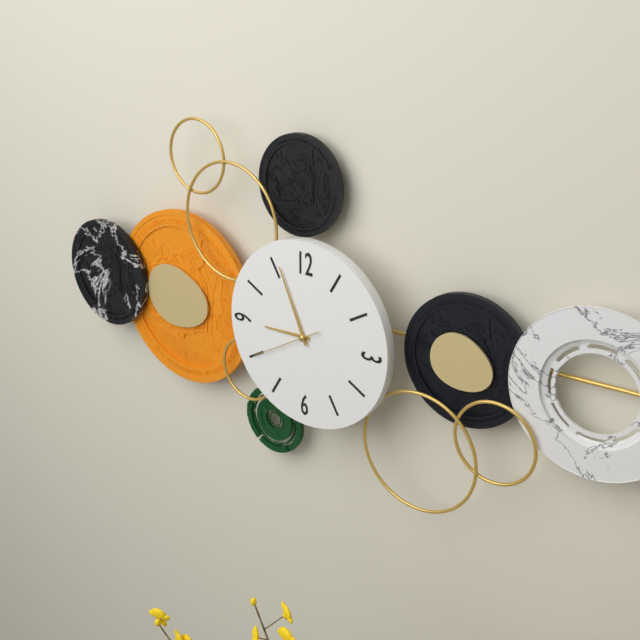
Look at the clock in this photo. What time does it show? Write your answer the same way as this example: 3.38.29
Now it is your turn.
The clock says 8.56.40
